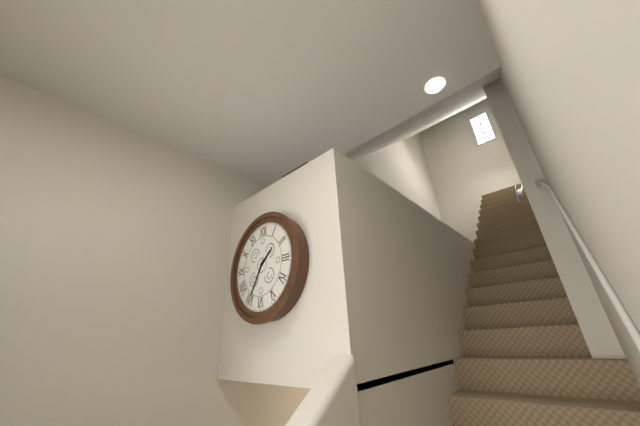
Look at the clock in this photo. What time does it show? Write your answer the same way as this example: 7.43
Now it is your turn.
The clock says 1.35
